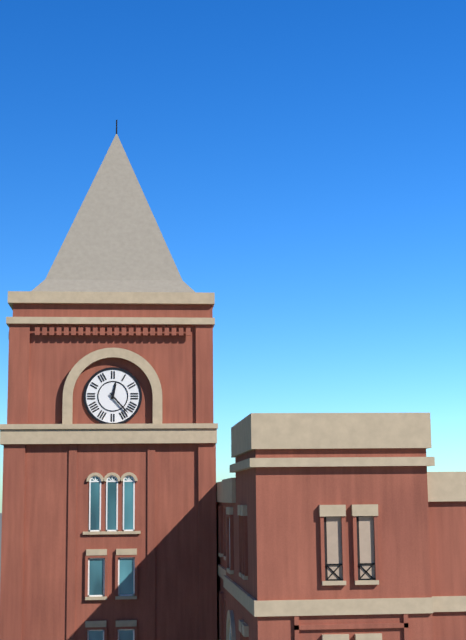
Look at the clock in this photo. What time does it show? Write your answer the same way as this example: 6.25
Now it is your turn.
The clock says 12.23
